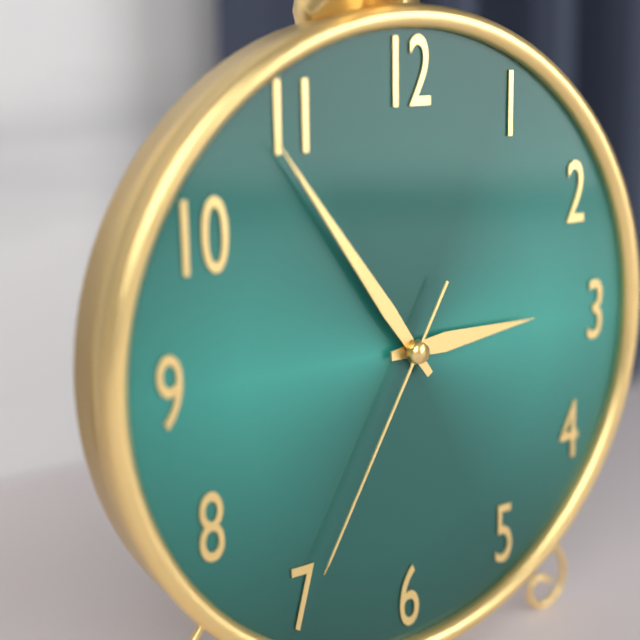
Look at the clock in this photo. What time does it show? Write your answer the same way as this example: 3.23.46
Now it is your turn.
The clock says 2.54.35
